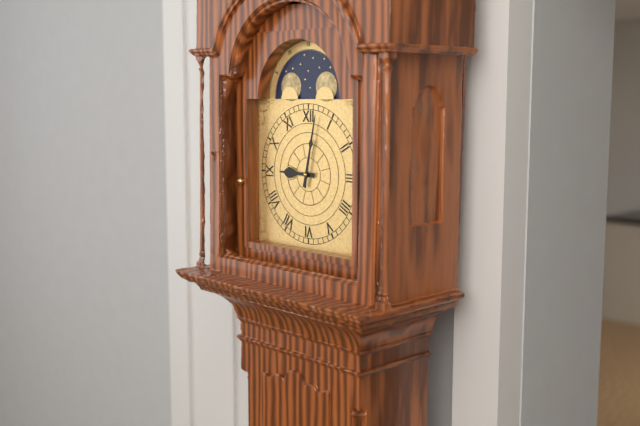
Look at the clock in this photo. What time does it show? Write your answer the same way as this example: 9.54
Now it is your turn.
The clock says 9.02
